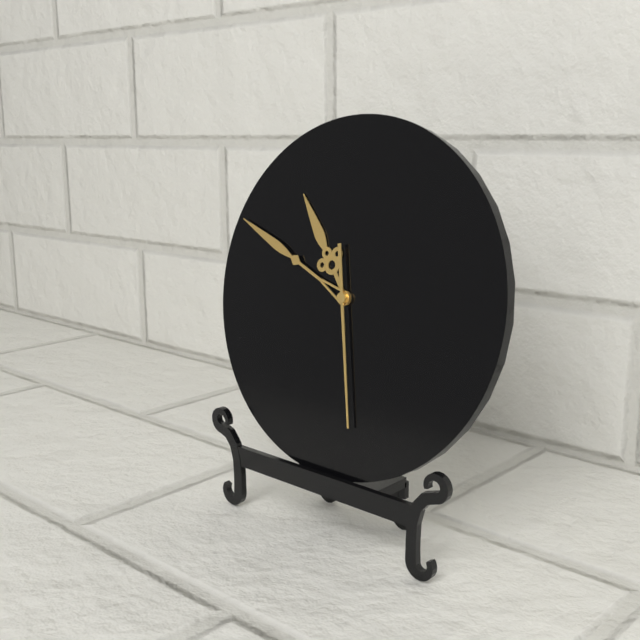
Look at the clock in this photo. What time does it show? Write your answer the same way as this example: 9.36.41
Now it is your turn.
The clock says 10.49.28
